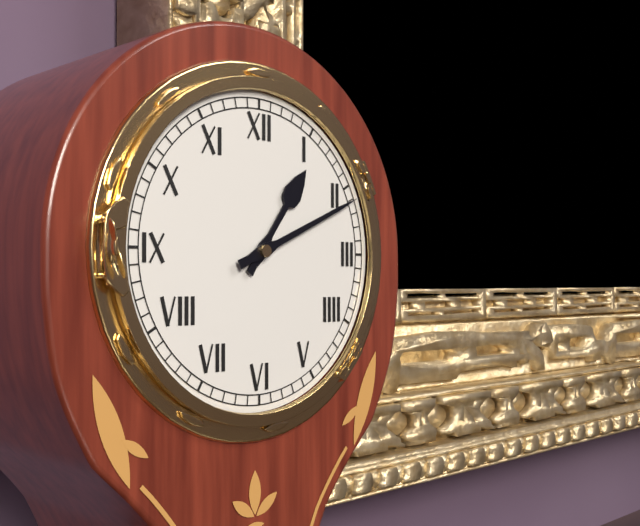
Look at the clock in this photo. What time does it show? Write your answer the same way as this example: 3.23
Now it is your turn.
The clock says 1.11
